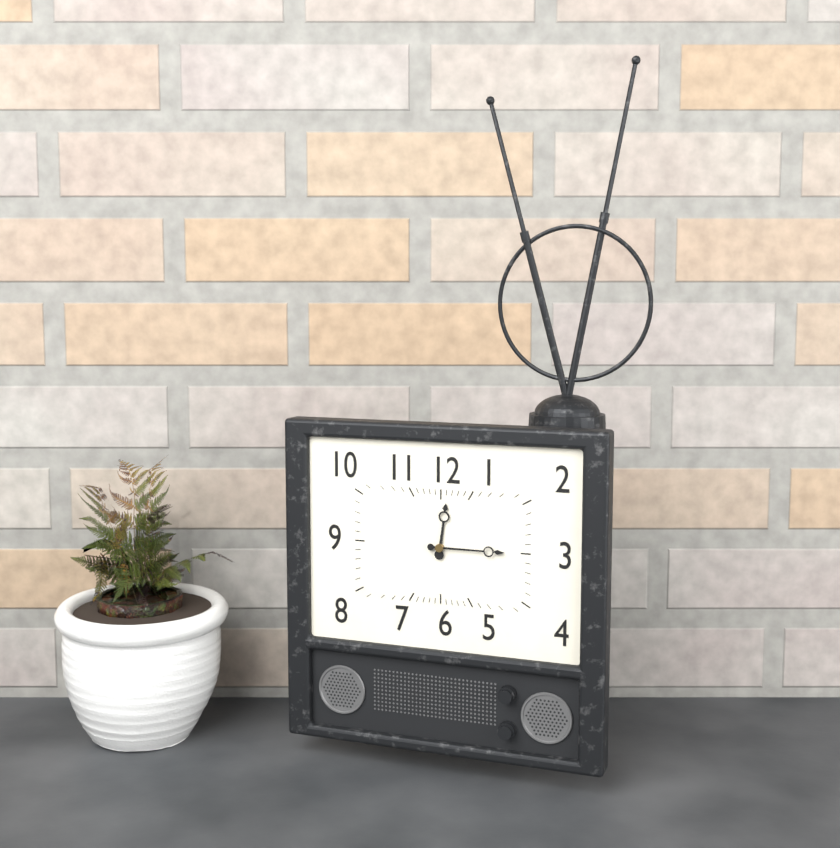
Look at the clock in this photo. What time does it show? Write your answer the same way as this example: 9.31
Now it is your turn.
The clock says 12.15
